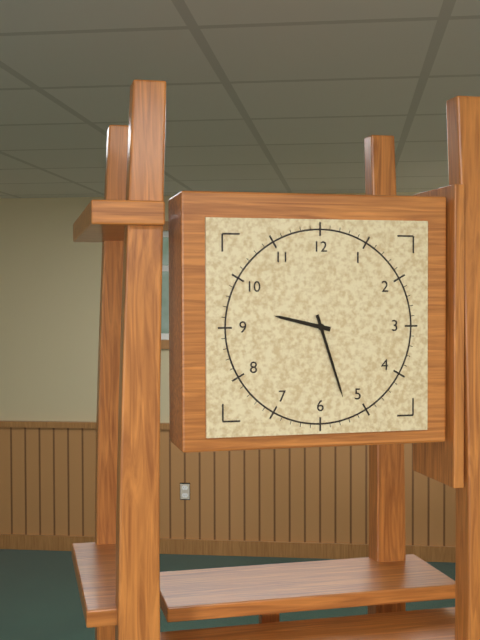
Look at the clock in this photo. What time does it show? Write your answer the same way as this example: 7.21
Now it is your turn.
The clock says 9.27
